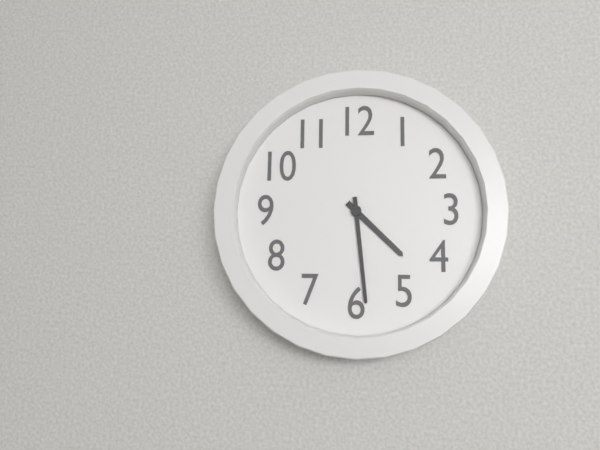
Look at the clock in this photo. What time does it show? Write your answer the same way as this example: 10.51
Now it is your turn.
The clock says 4.29
